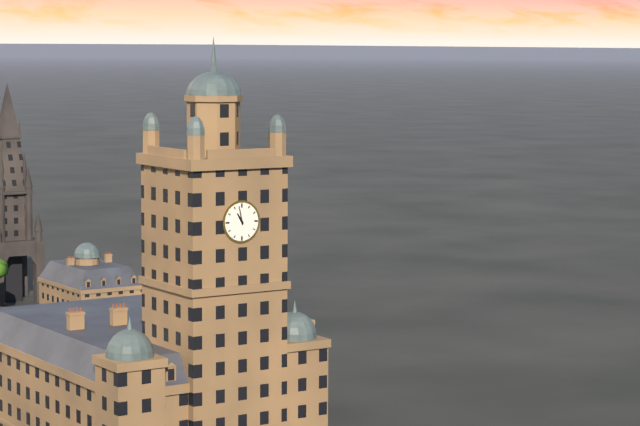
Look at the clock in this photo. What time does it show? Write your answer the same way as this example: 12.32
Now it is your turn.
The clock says 10.58
